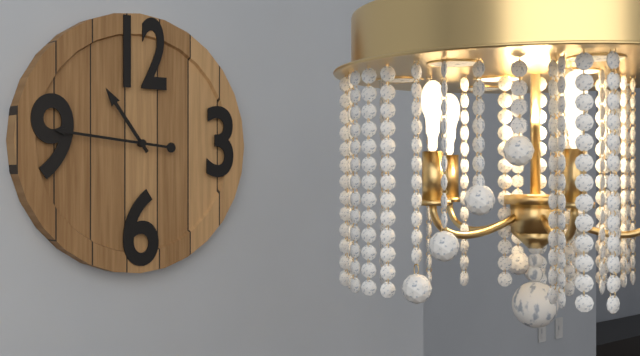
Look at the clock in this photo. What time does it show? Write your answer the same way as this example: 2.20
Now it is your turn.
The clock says 10.46
